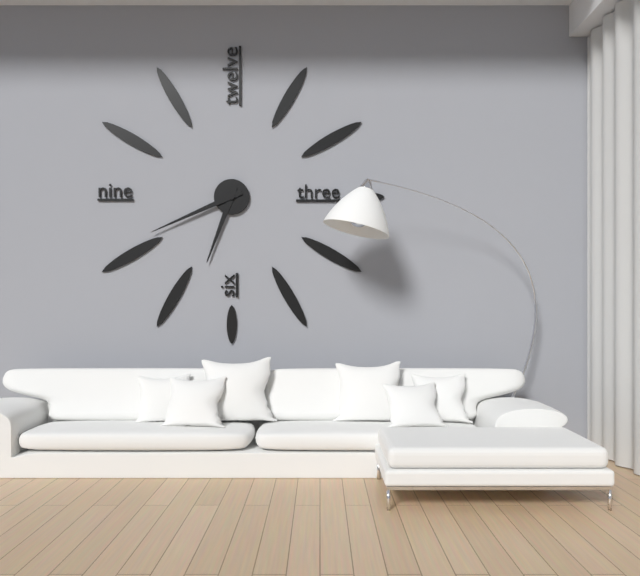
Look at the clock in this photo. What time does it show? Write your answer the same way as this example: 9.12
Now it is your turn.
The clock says 6.41
